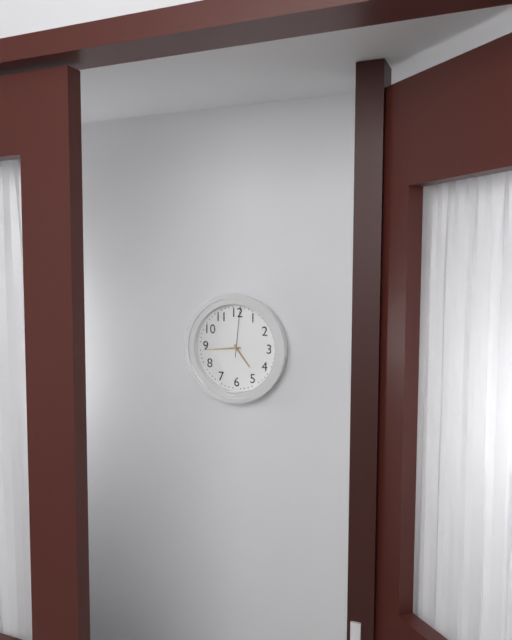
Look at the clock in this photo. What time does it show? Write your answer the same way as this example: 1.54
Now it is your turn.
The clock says 4.44
